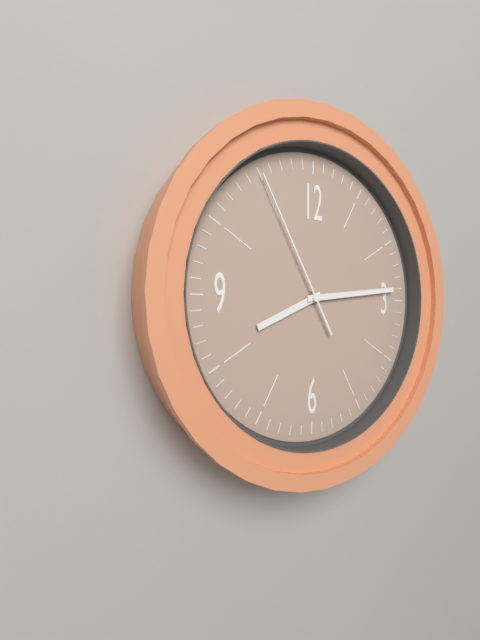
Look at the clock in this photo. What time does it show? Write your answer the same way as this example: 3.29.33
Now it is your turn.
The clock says 8.14.55
